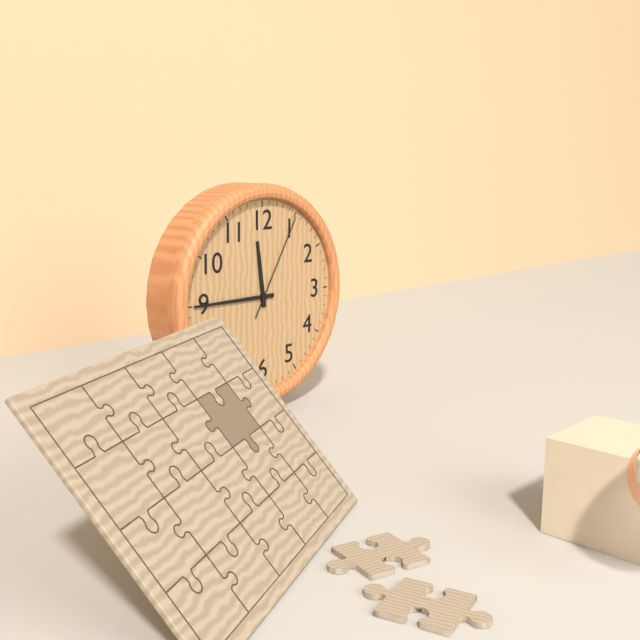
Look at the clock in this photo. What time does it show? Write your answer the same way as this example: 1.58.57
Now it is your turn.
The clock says 11.45.05
